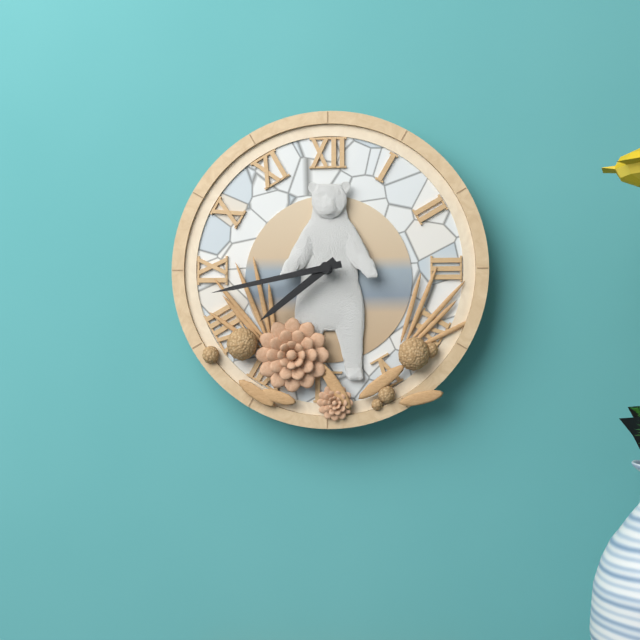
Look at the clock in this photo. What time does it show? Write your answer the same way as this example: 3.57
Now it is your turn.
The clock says 7.43
